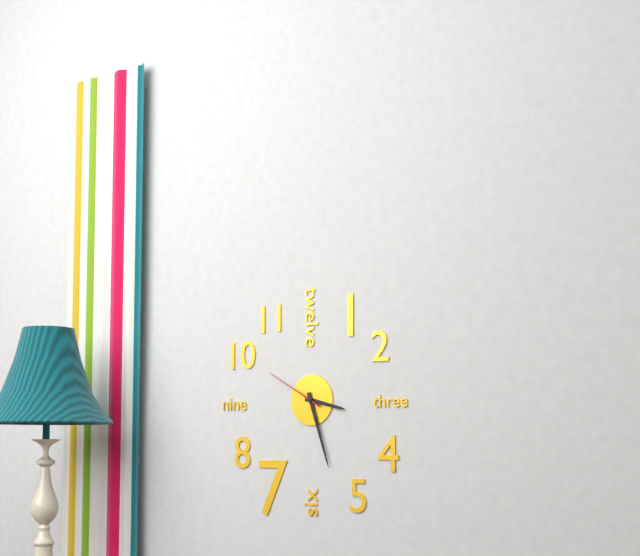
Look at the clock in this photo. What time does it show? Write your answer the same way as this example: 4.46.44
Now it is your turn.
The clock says 3.27.50
